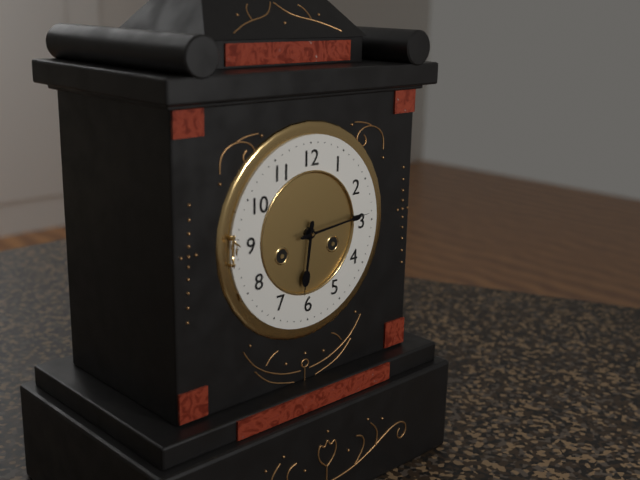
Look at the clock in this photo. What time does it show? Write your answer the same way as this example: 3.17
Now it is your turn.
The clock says 6.14
